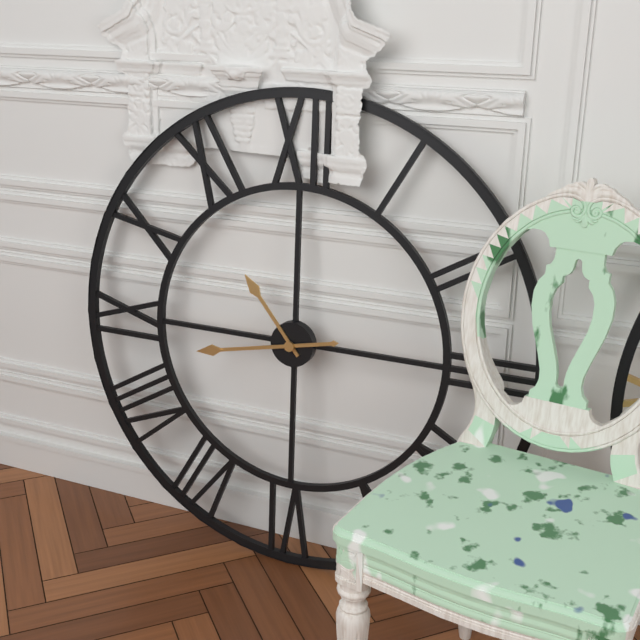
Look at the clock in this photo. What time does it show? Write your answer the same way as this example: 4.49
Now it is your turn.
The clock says 10.43
